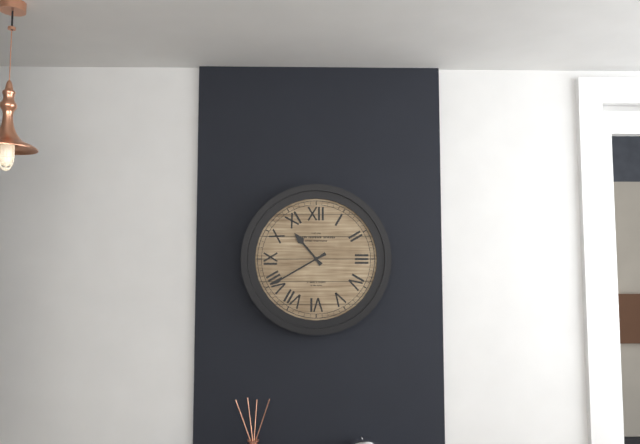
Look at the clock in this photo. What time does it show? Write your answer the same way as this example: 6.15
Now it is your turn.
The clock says 10.40
